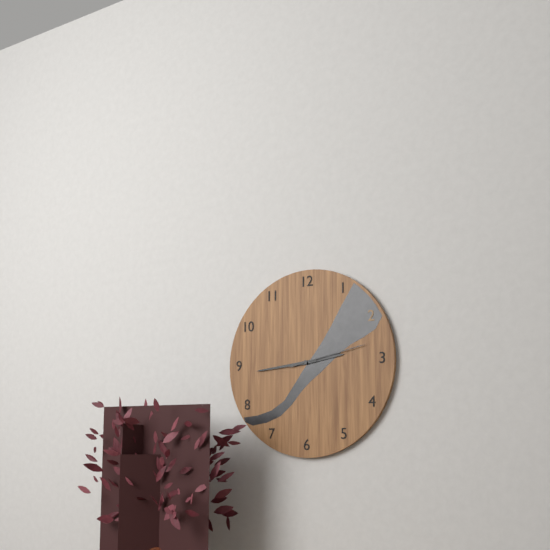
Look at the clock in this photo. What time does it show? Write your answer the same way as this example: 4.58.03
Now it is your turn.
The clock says 2.44.13
